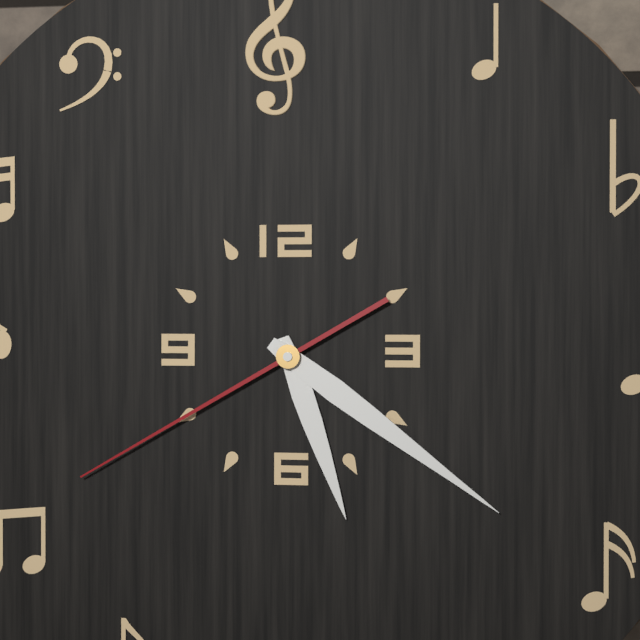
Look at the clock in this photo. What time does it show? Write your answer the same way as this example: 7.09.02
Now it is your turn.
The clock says 5.21.40
